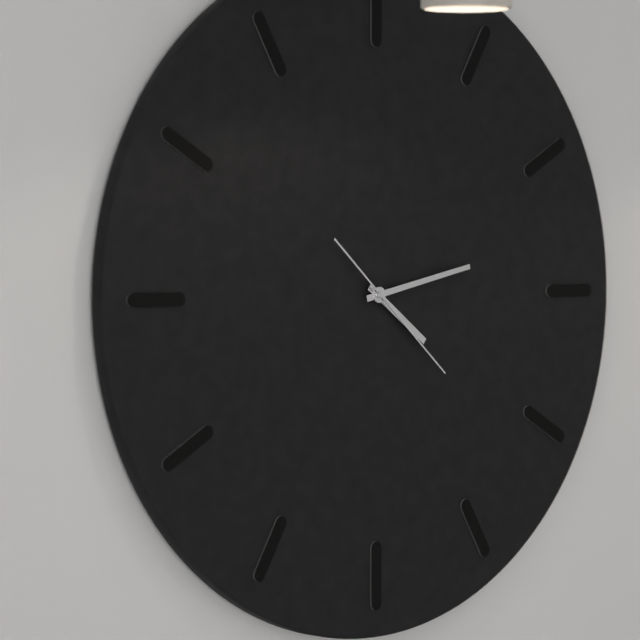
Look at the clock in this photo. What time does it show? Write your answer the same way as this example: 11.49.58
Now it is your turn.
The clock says 4.13.22
